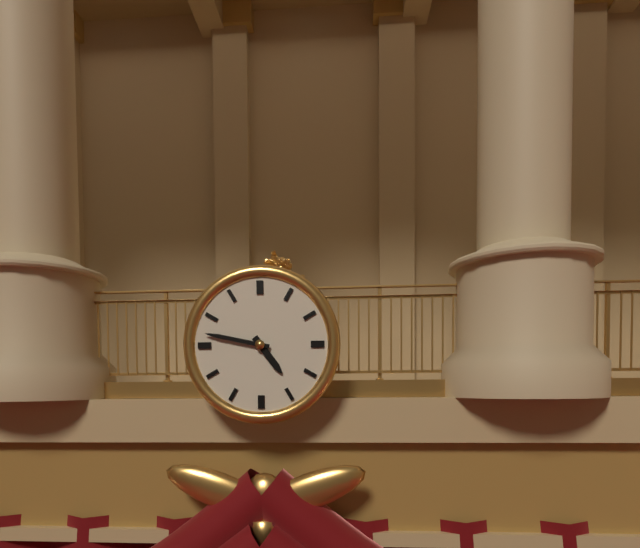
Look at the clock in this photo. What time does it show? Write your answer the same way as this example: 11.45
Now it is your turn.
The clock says 4.47
